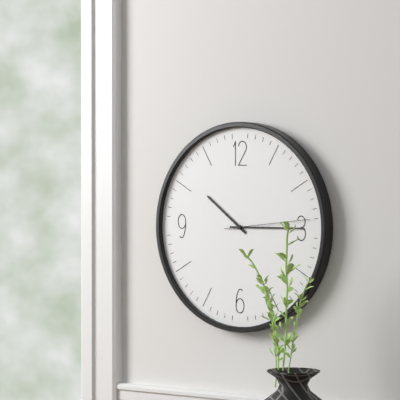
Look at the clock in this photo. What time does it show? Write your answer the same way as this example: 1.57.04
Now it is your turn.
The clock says 10.15.14
